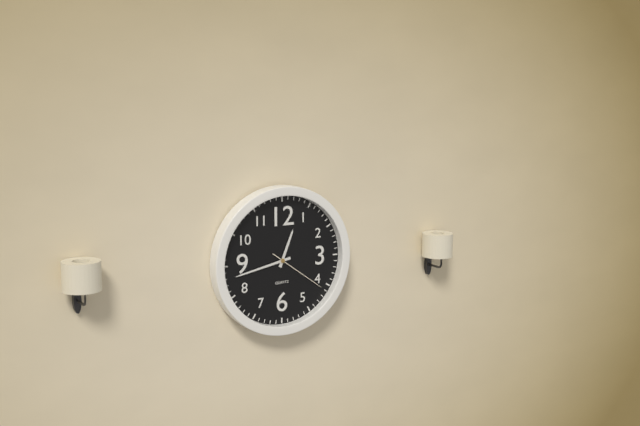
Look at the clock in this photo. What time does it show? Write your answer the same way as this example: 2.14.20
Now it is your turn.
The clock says 12.43.21
